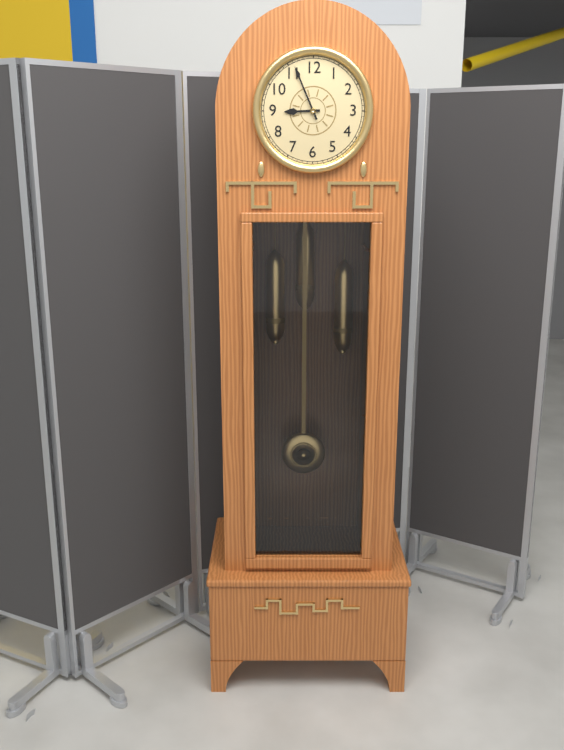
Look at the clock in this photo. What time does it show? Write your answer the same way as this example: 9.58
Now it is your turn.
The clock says 8.56
